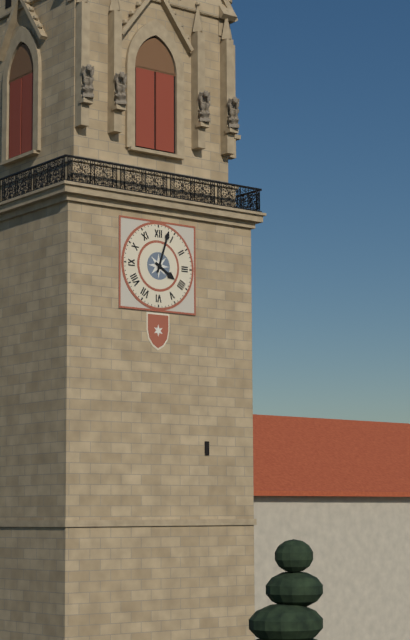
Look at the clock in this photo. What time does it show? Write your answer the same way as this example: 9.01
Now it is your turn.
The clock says 4.03
